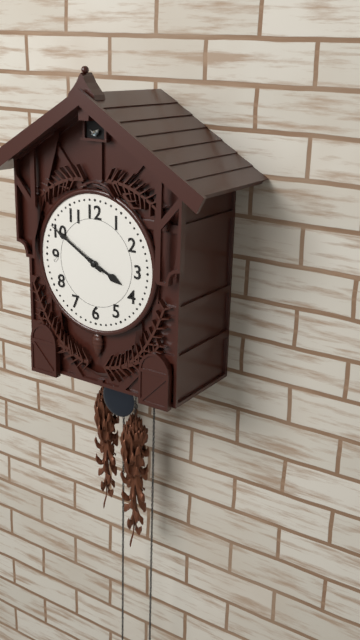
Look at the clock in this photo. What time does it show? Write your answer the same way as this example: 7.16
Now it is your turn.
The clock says 3.50
